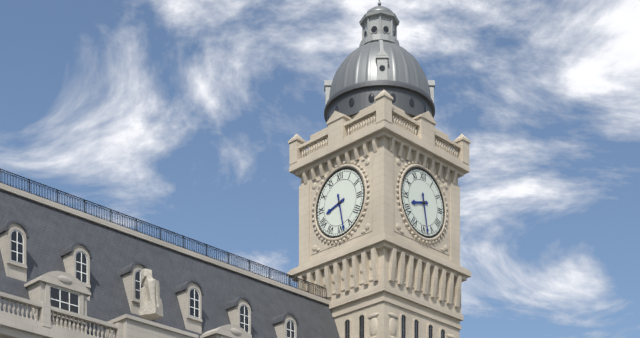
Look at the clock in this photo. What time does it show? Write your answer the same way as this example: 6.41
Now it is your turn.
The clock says 8.28
